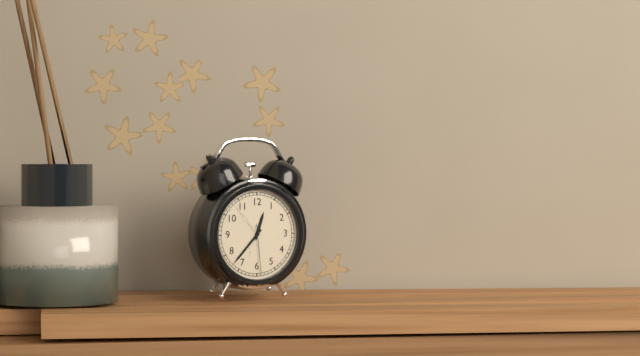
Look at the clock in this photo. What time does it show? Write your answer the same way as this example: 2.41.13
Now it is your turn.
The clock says 12.37.29
